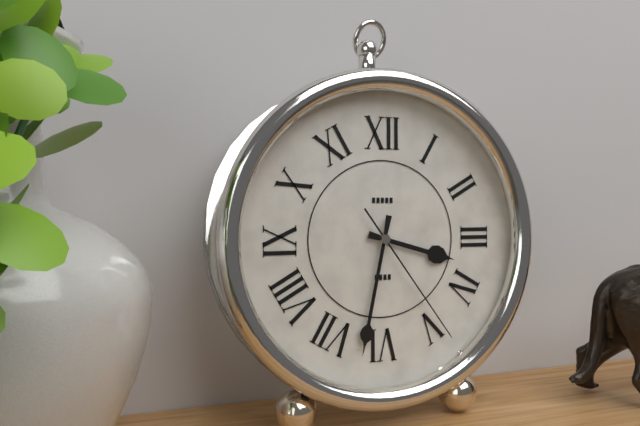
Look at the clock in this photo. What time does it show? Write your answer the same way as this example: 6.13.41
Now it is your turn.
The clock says 3.32.24
